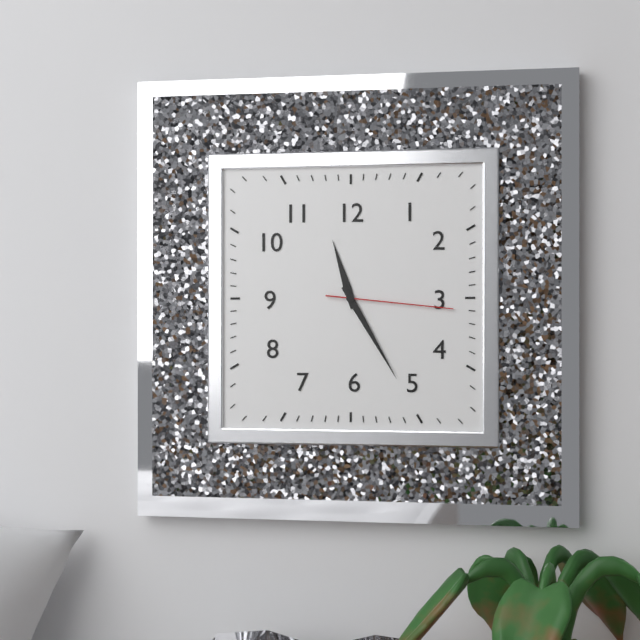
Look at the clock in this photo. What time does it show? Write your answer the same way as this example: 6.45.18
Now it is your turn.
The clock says 11.25.16
